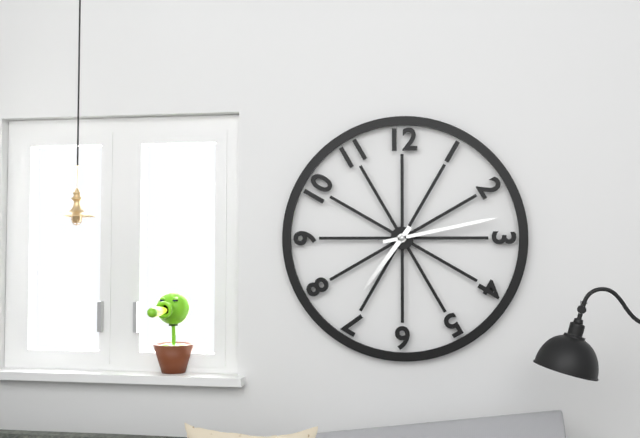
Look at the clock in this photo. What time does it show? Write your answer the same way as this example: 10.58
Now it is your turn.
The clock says 7.13
